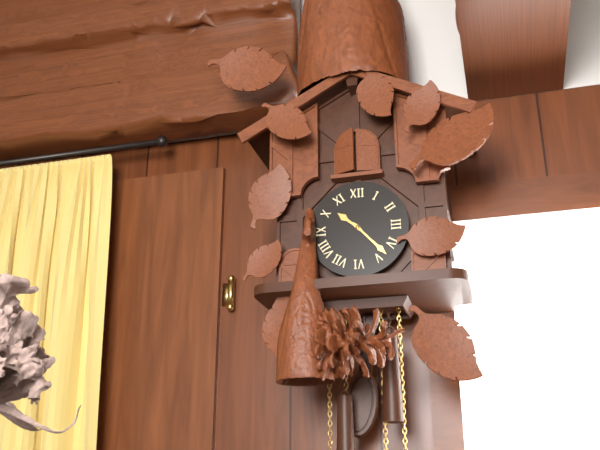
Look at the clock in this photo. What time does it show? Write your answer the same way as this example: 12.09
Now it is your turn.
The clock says 10.23
